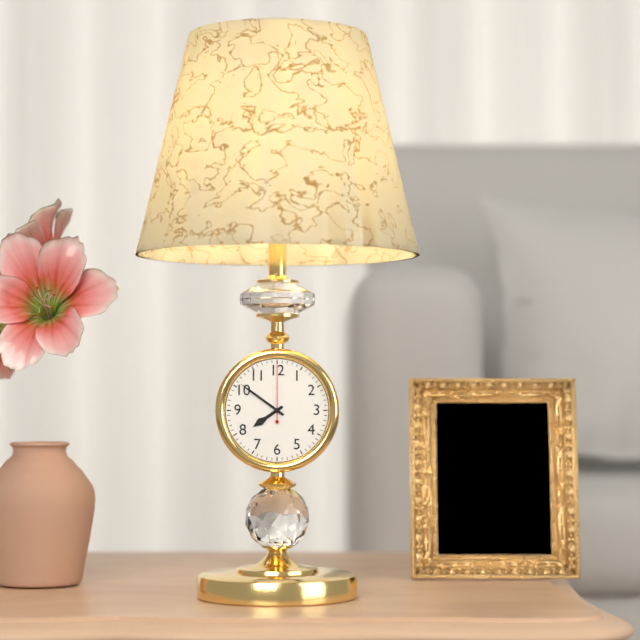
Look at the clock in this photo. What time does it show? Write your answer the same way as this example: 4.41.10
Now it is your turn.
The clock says 7.51.00
